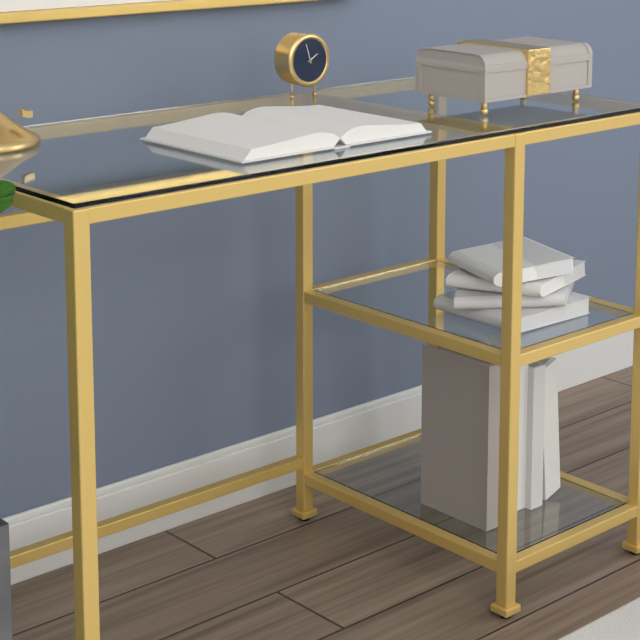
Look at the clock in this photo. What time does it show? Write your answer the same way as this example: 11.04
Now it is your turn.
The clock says 1.57
